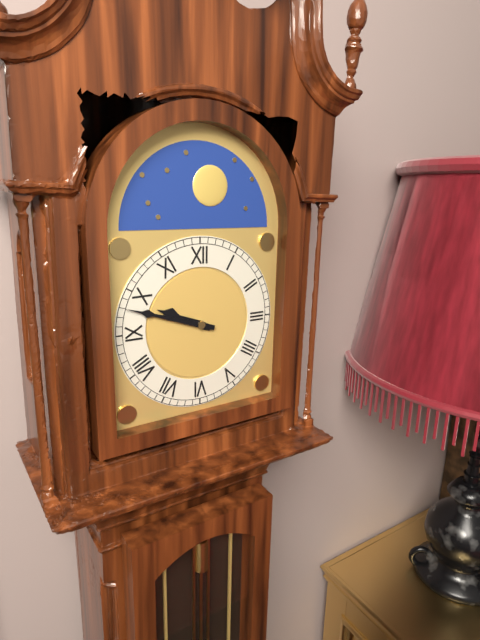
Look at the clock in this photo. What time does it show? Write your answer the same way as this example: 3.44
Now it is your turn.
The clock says 9.48
